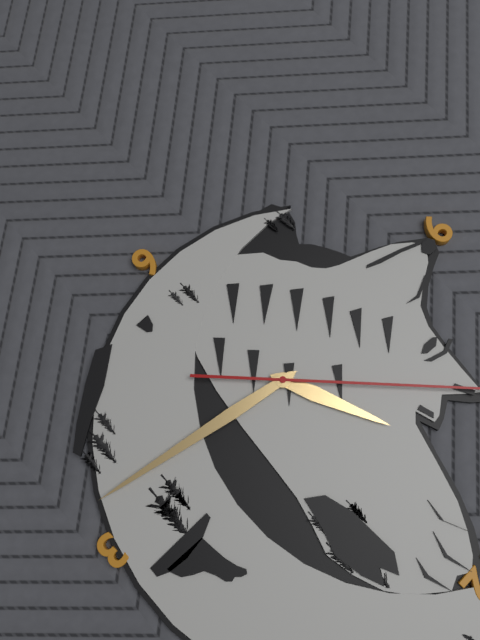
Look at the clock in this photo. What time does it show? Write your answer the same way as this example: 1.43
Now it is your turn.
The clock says 11.17
